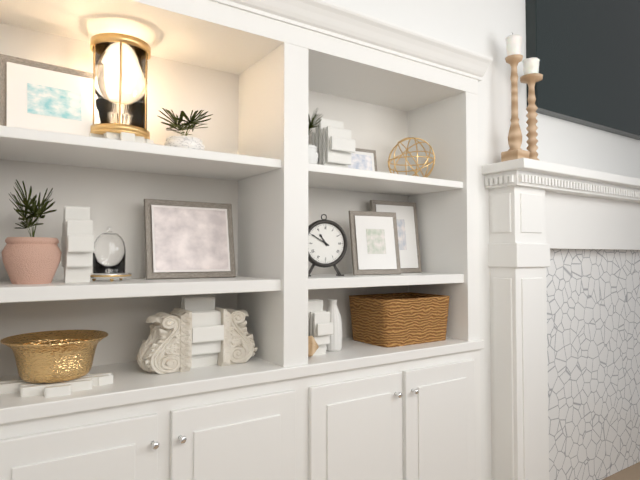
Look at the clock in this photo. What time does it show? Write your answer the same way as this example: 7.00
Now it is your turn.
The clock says 10.50
